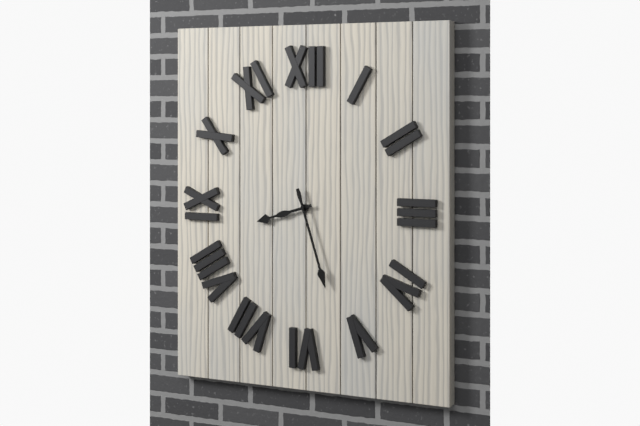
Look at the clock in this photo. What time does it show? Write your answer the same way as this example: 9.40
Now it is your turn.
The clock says 8.27
